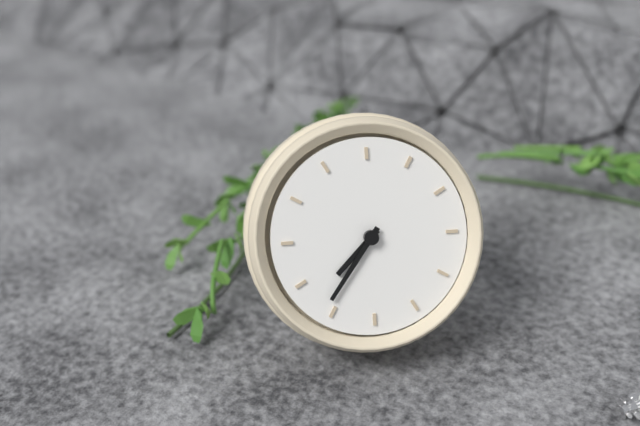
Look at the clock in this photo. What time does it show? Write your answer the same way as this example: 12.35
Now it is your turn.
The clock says 6.31
